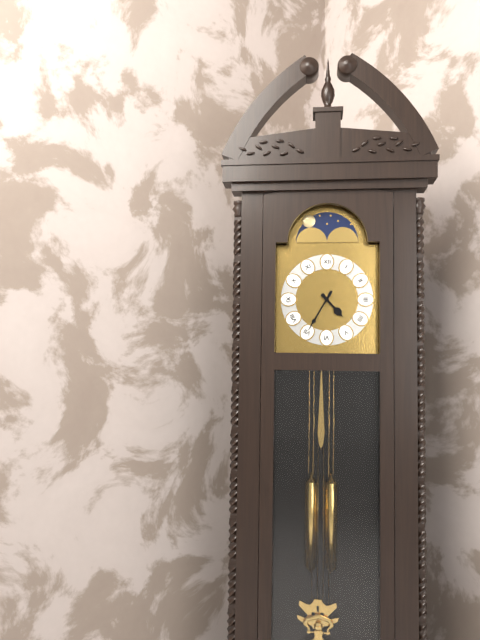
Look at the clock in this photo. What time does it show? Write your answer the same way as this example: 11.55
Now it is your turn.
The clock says 4.35
